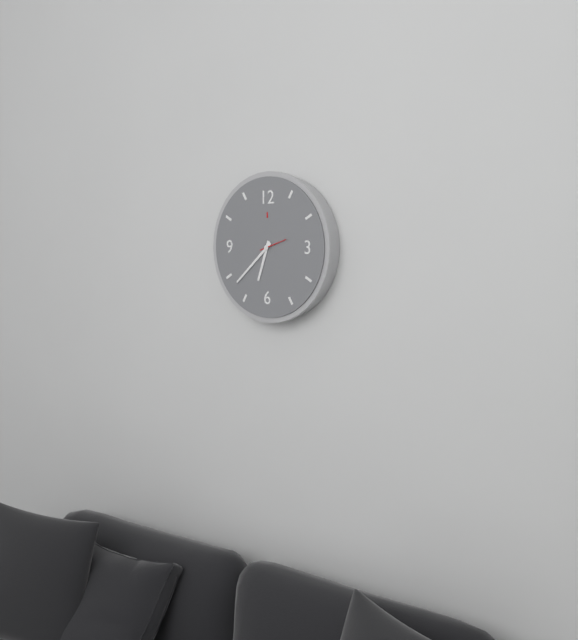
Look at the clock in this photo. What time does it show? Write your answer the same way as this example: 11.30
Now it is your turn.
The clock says 6.38
